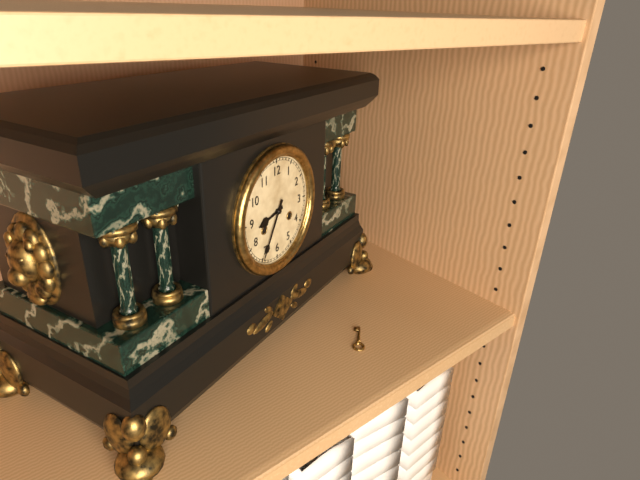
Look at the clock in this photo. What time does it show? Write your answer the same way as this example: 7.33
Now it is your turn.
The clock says 8.35
